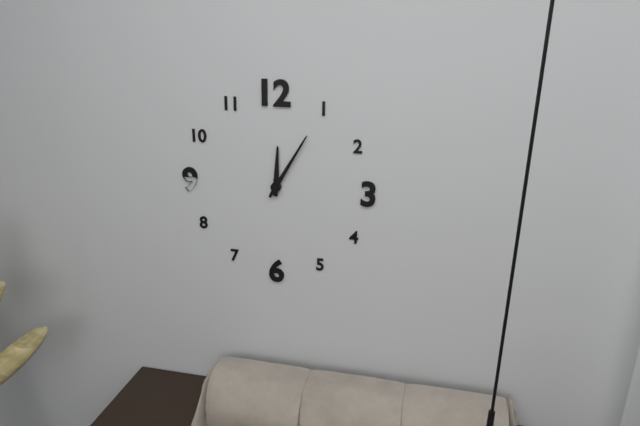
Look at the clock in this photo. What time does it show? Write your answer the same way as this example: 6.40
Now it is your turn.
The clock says 12.05
